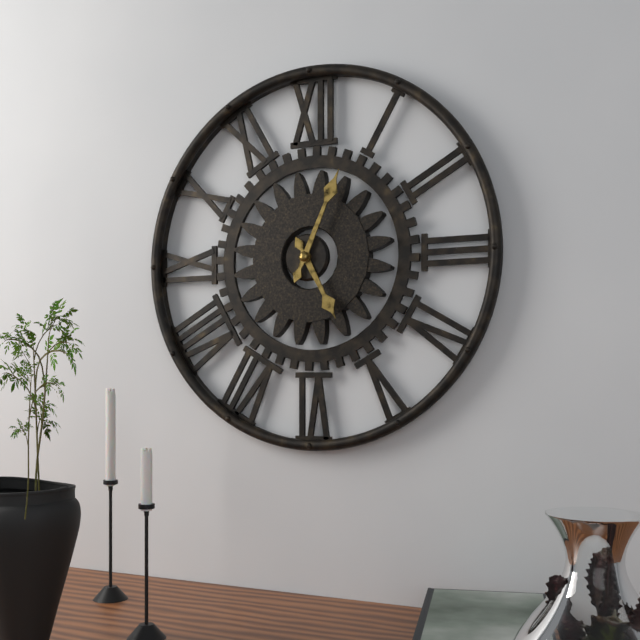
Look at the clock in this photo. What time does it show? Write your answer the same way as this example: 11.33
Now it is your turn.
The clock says 5.04
